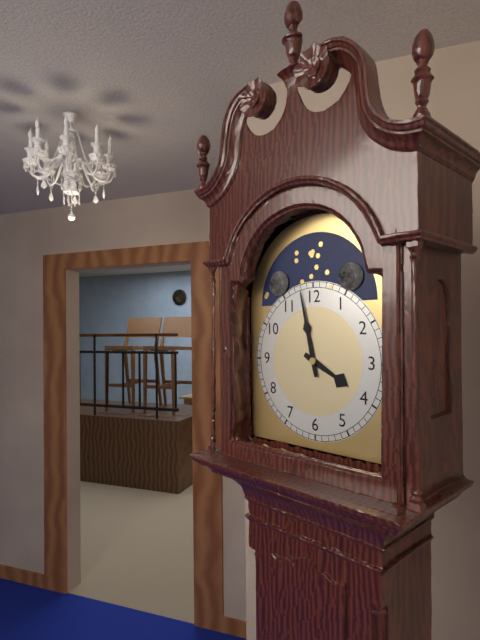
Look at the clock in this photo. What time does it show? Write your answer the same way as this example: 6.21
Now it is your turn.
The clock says 3.58
